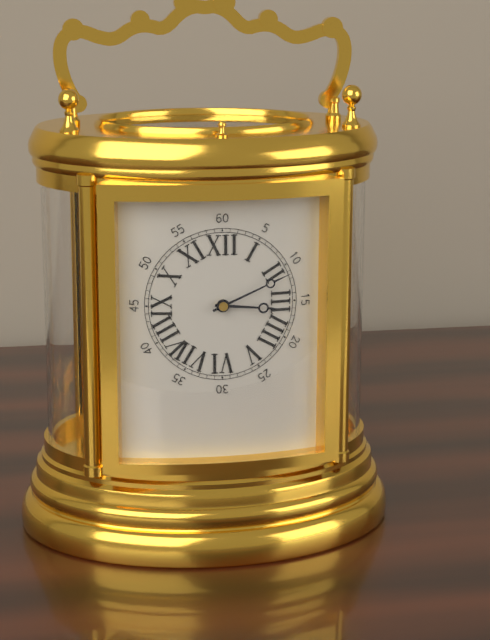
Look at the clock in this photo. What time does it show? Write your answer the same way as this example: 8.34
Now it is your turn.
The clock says 3.11
